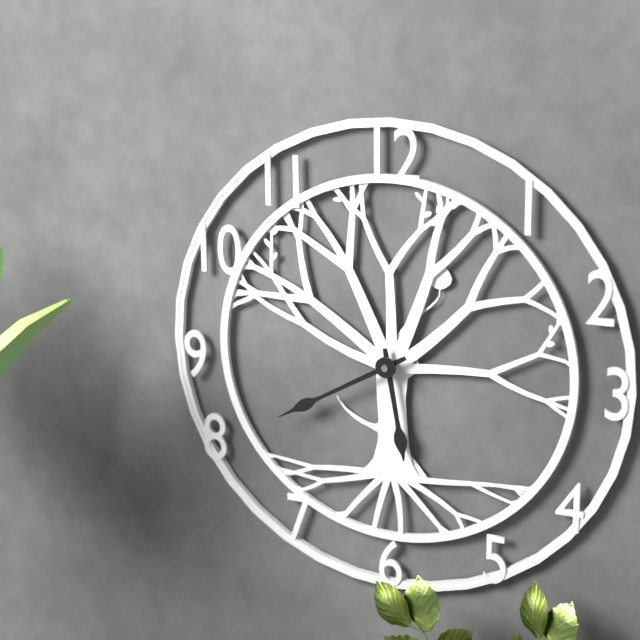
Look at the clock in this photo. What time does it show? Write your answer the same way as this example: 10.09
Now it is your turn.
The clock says 5.40
